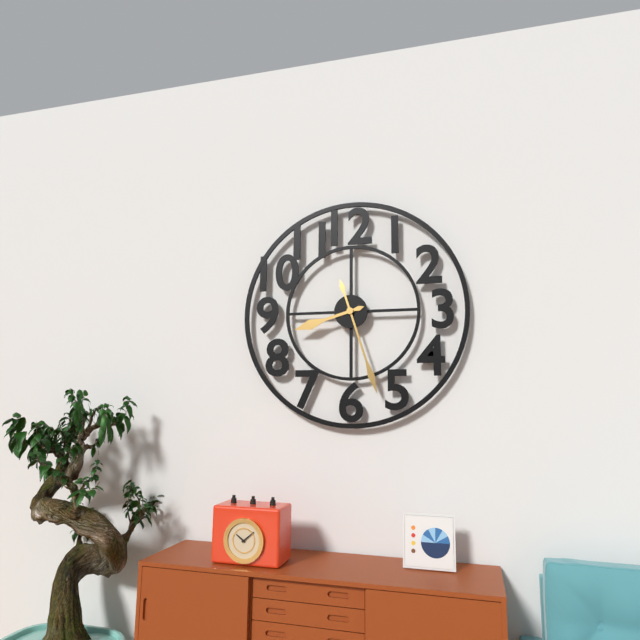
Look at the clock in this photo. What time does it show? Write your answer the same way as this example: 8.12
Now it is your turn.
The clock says 8.27
